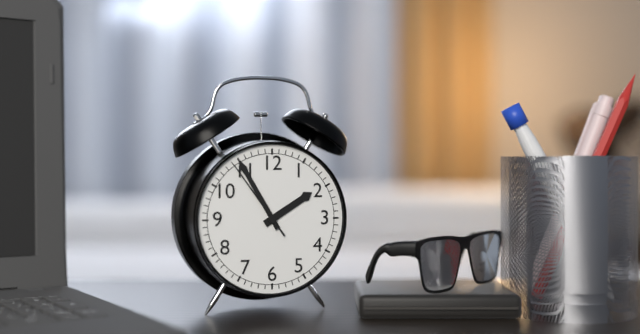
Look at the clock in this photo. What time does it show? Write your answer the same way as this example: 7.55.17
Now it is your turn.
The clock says 1.55.54
